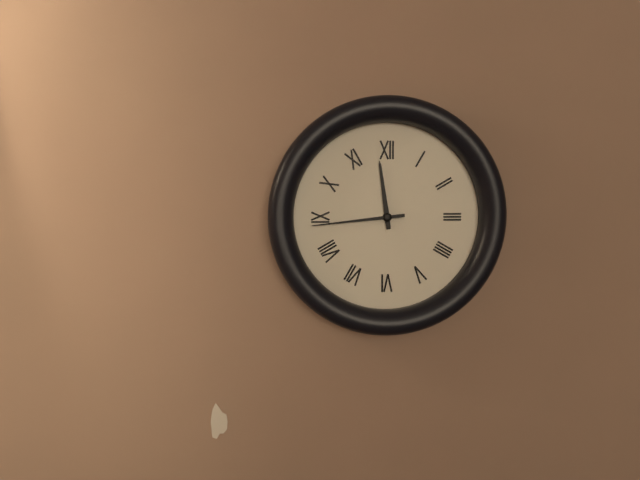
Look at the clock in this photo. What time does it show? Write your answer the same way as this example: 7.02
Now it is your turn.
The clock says 11.44
